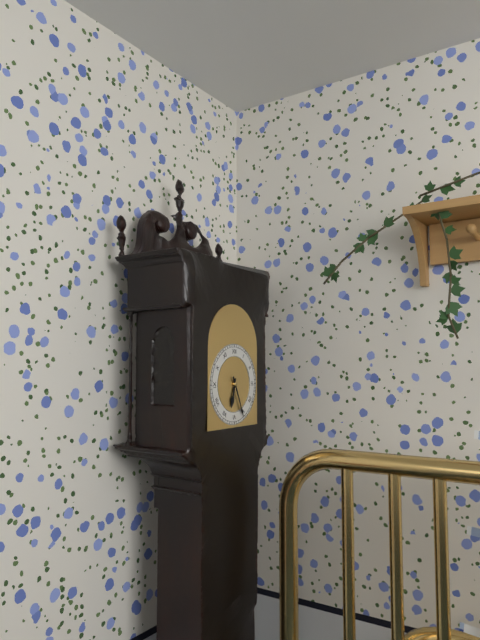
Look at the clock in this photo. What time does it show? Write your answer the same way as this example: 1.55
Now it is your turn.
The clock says 6.26
